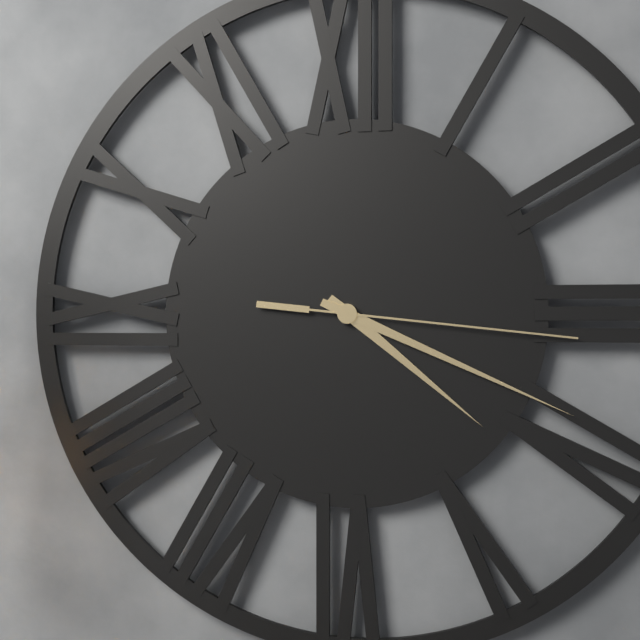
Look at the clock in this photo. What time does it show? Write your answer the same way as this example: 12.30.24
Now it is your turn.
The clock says 4.19.16
